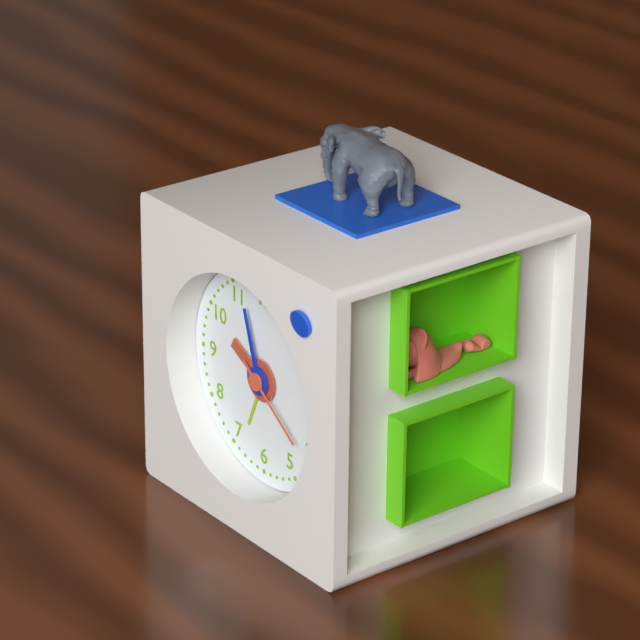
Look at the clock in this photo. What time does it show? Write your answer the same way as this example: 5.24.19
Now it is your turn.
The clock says 9.57.21
